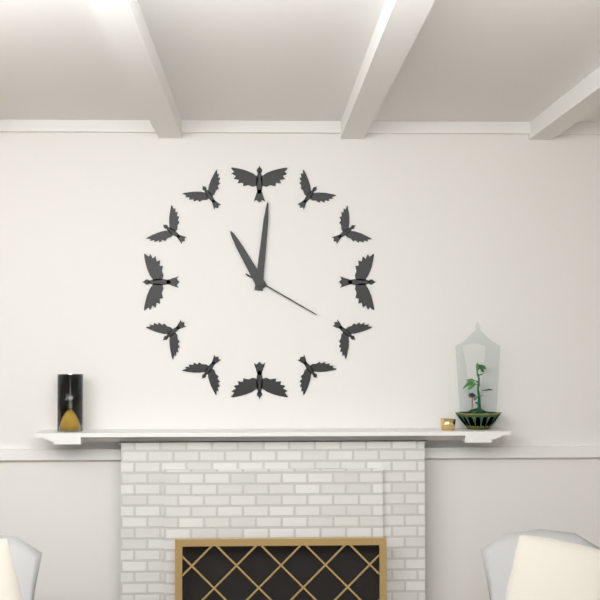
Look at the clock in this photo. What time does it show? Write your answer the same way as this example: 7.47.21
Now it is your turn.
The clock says 11.01.20
